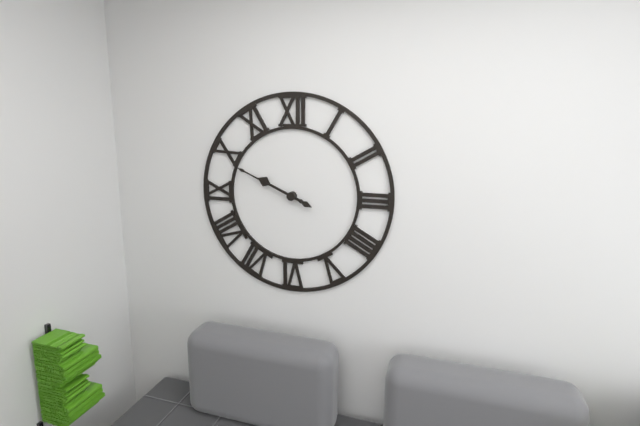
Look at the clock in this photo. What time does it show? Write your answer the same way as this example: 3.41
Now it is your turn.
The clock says 9.49
